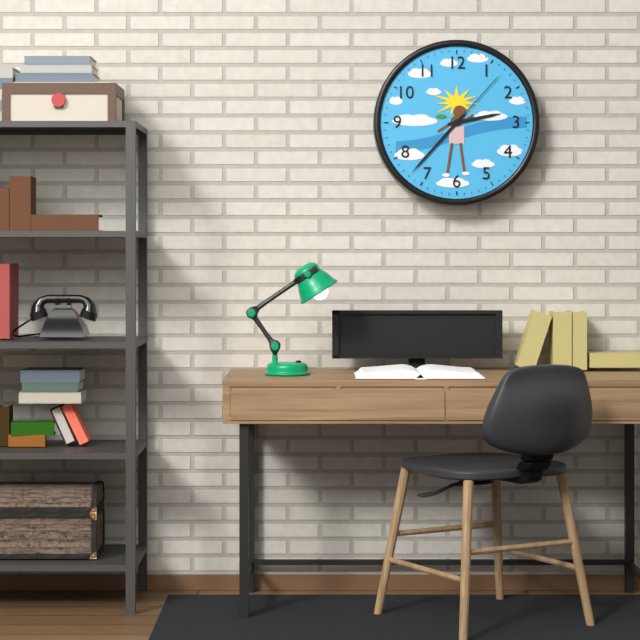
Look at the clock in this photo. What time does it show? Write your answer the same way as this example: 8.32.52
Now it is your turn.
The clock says 2.37.07
